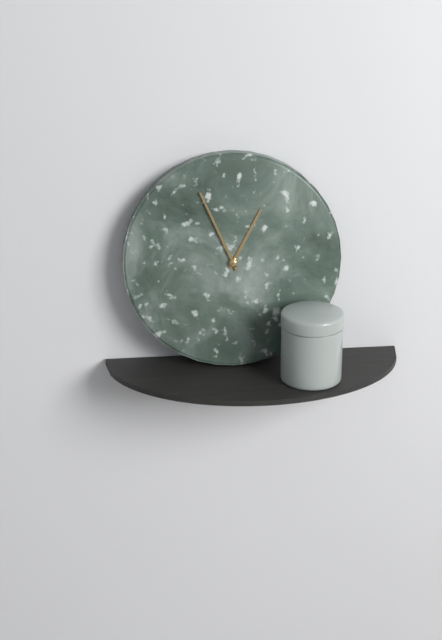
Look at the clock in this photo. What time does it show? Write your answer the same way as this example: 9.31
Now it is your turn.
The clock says 12.56
